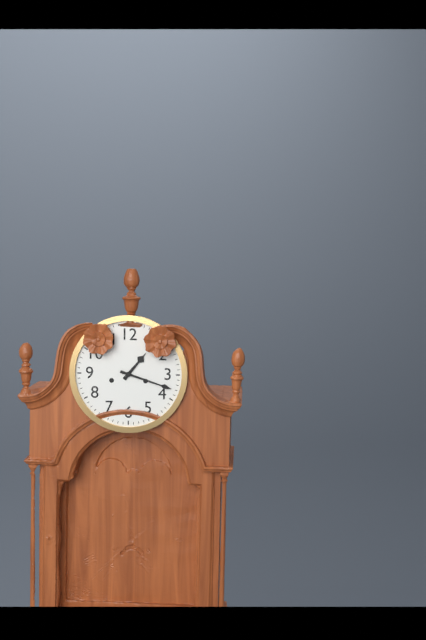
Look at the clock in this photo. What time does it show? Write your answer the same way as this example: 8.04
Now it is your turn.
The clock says 1.18
